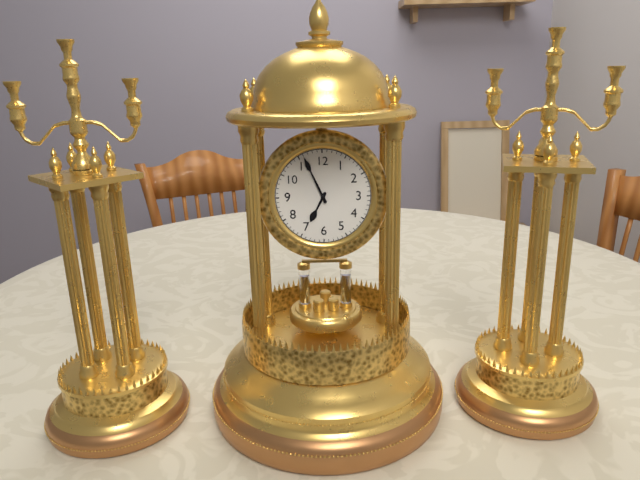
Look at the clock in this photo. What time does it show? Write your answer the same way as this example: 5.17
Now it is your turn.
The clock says 6.56
